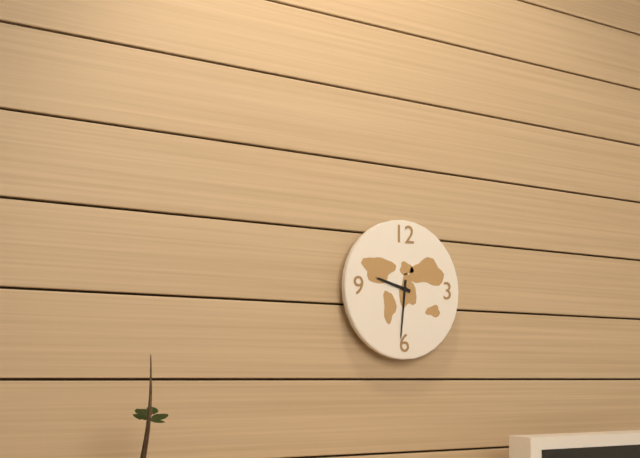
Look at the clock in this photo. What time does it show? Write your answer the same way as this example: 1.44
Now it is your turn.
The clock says 9.31
